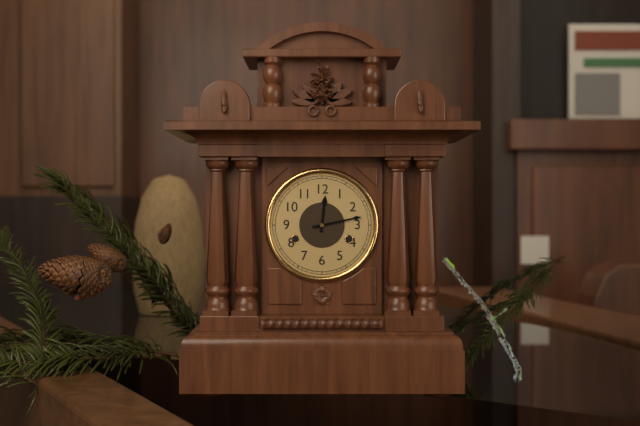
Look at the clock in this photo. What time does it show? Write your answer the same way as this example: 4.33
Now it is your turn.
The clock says 12.13
